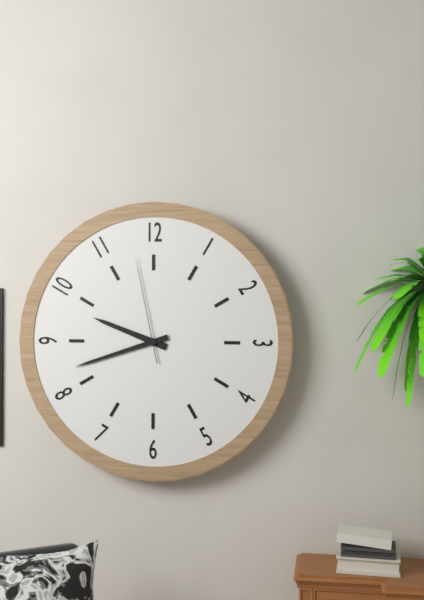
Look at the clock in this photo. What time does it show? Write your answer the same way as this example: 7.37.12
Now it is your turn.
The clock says 9.42.58
